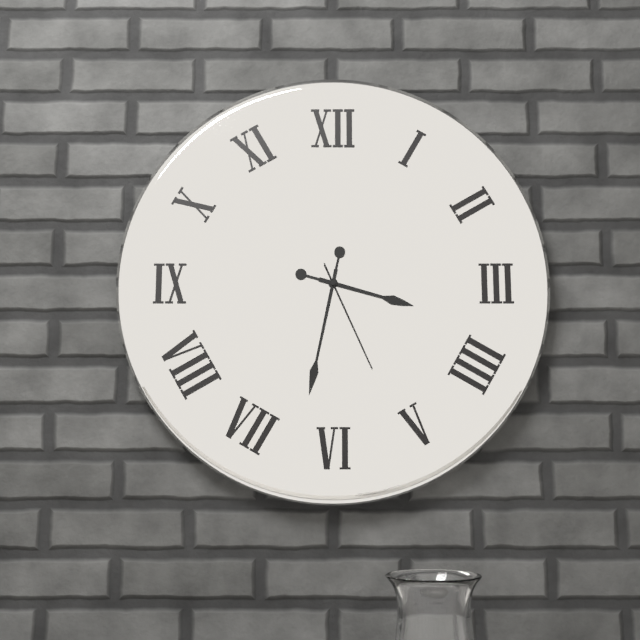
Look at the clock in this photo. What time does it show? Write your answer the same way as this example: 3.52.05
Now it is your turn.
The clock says 3.32.26
